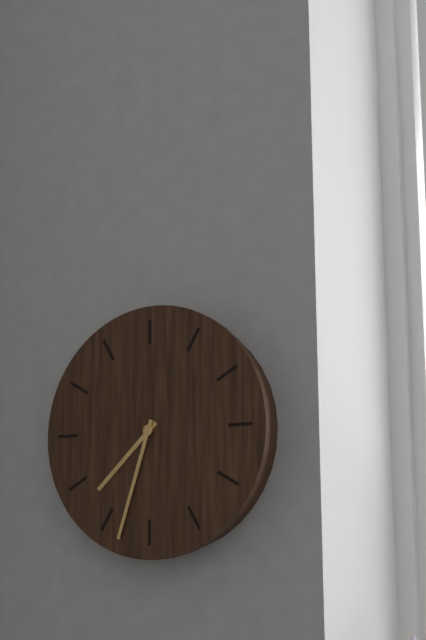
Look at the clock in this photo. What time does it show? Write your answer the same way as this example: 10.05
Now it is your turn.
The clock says 7.33
